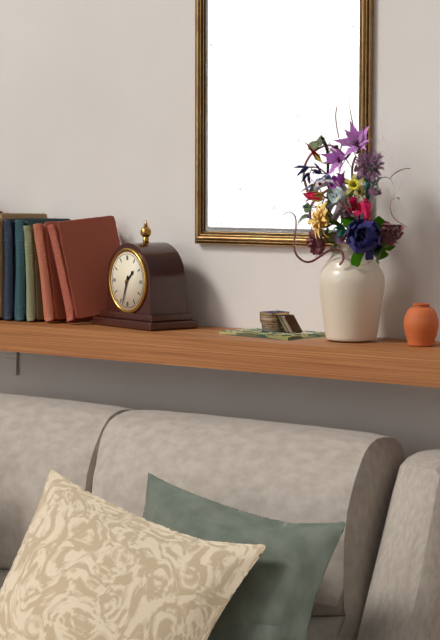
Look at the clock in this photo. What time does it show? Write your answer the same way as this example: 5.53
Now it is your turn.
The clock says 1.33
